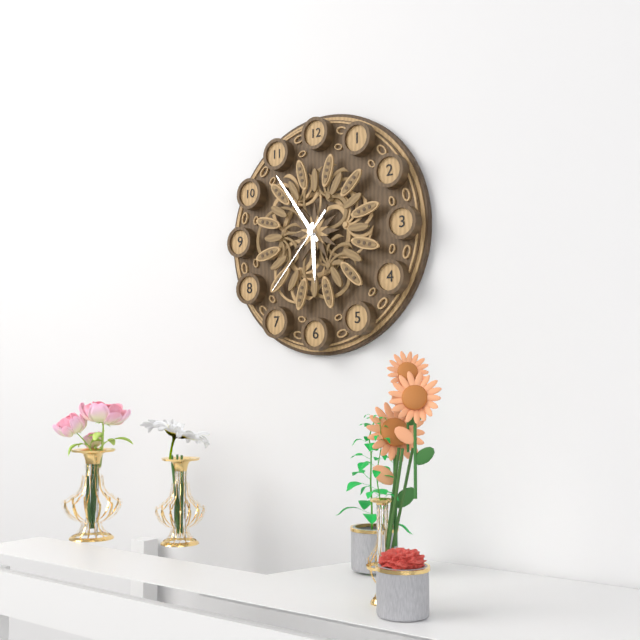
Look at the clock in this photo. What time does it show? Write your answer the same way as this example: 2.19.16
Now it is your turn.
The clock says 5.54.37
